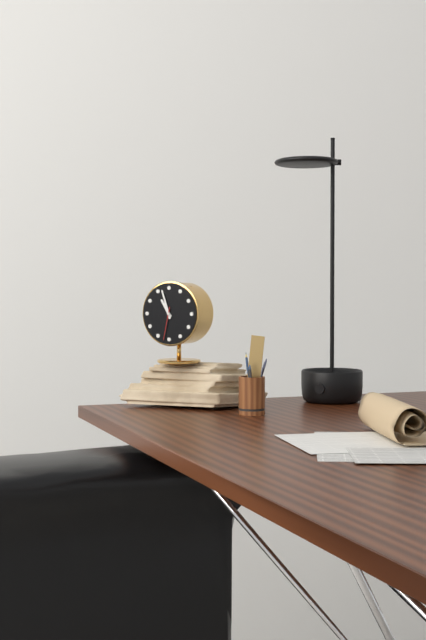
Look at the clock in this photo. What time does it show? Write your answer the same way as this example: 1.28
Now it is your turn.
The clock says 10.57
